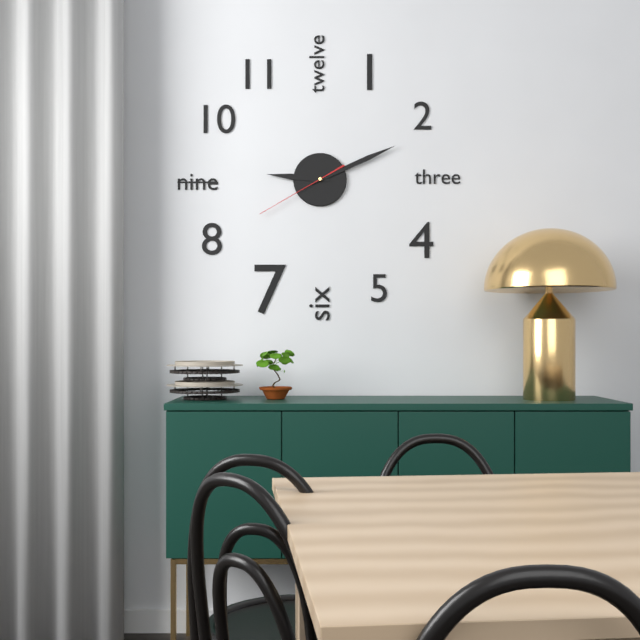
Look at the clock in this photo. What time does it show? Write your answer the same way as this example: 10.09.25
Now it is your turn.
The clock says 9.11.40
